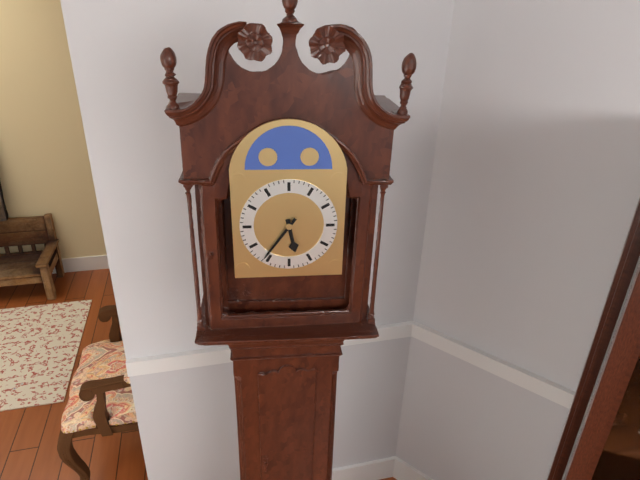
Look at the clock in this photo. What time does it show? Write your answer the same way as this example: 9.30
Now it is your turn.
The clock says 5.36
